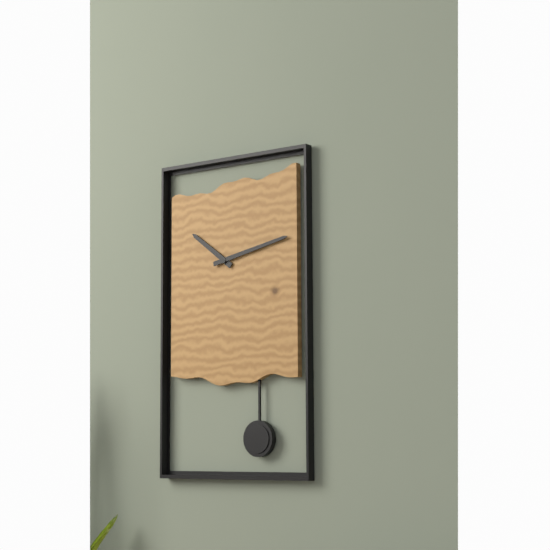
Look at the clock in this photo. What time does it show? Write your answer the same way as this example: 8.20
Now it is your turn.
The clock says 10.13
